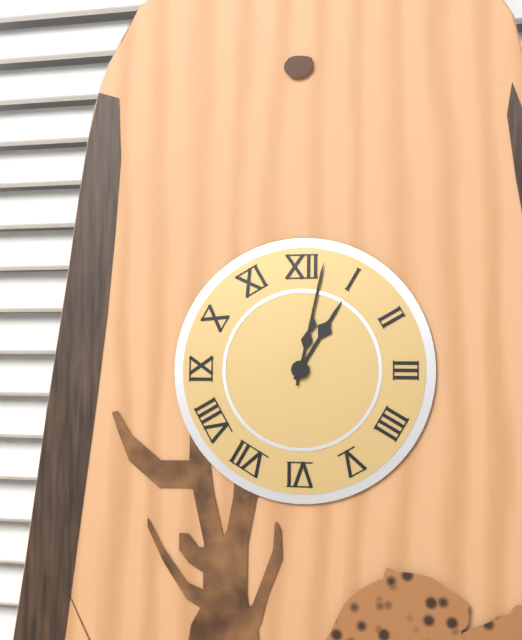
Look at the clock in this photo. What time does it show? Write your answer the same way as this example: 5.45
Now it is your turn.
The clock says 1.02
